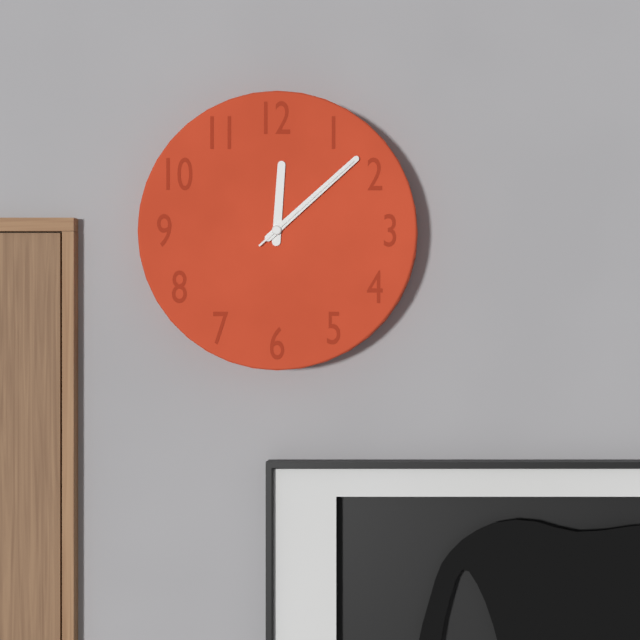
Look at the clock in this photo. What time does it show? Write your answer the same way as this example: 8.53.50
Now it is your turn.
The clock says 12.08.08
